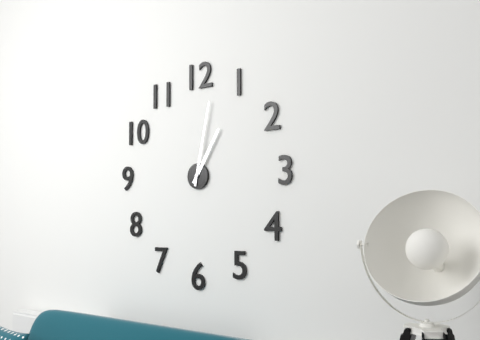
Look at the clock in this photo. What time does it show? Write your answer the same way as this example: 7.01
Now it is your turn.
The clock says 1.02
